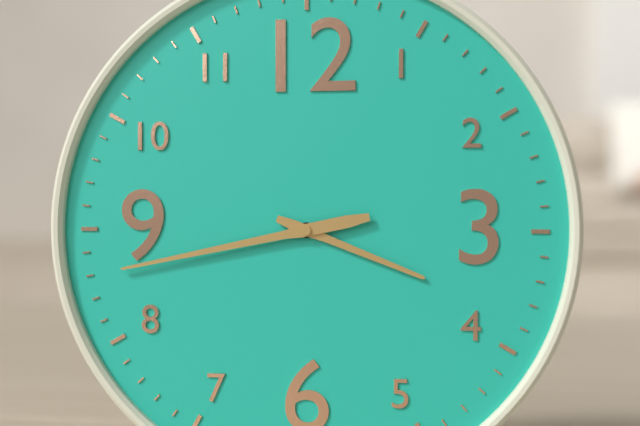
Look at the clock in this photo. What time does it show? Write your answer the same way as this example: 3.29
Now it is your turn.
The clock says 3.43
